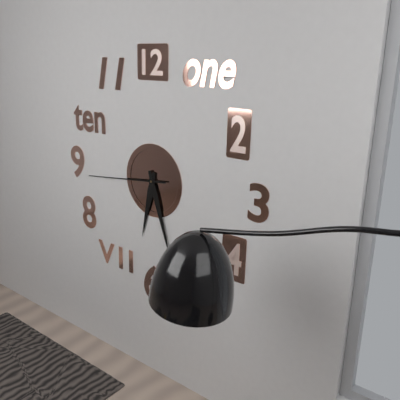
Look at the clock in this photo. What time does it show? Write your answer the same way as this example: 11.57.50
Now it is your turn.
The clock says 6.27.44
